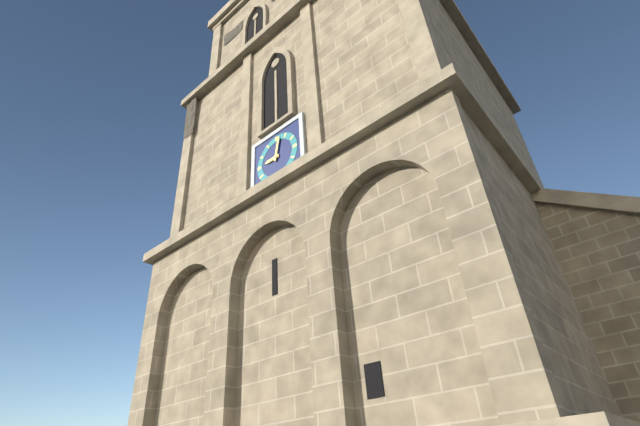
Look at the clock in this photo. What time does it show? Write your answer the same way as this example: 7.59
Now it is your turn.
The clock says 9.02
